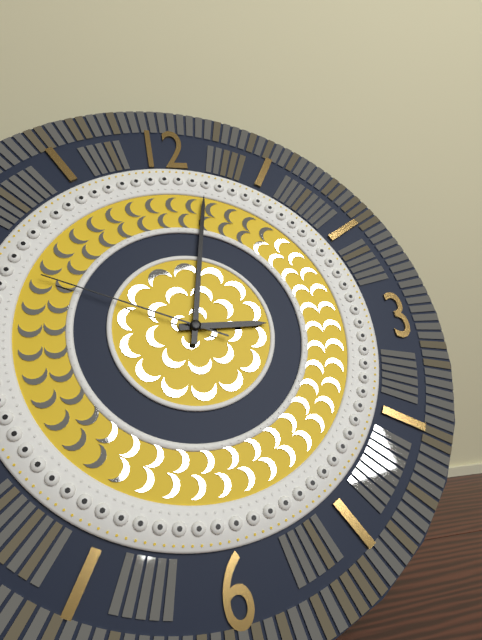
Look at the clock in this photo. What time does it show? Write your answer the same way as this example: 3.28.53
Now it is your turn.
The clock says 3.02.49
